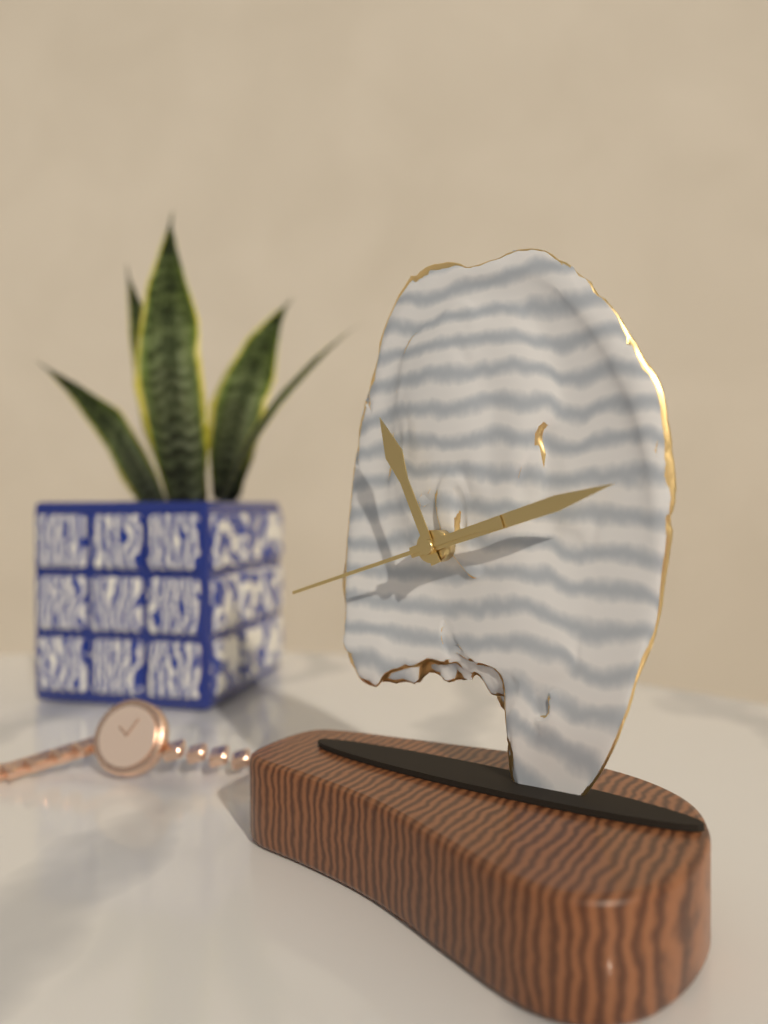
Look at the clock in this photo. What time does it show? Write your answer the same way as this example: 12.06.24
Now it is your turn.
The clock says 11.12.42
